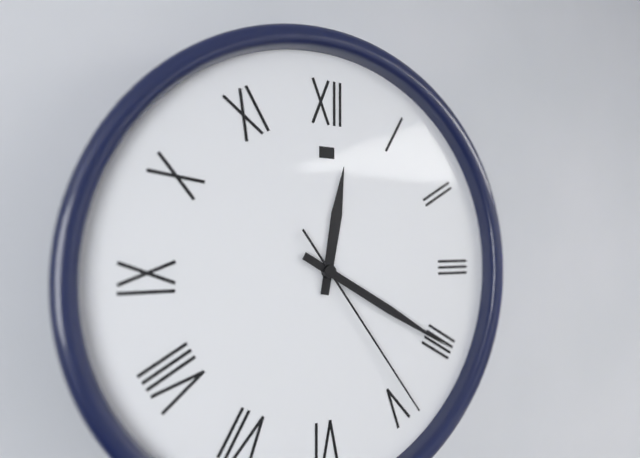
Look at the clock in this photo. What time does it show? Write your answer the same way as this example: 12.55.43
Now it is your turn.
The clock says 12.20.24
